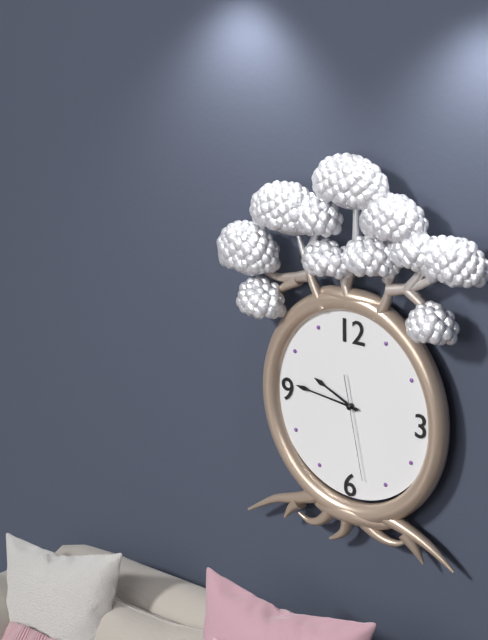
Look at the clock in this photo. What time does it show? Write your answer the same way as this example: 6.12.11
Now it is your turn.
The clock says 9.46.28
